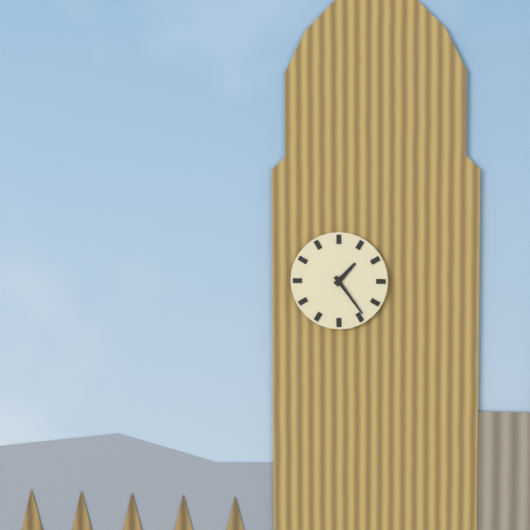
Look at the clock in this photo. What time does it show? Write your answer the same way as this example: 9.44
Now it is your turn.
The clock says 1.24
